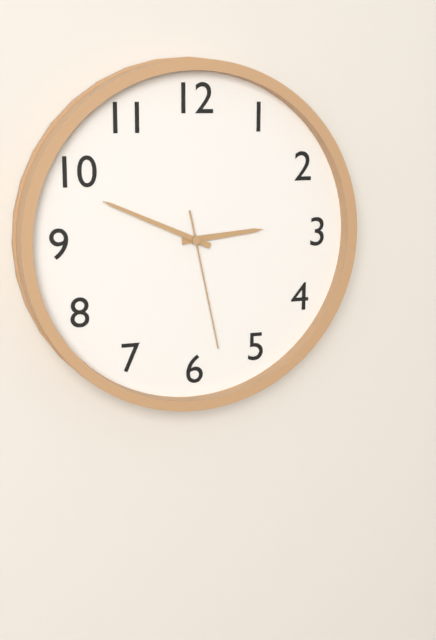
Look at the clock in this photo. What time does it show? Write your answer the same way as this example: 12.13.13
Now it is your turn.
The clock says 2.49.28
